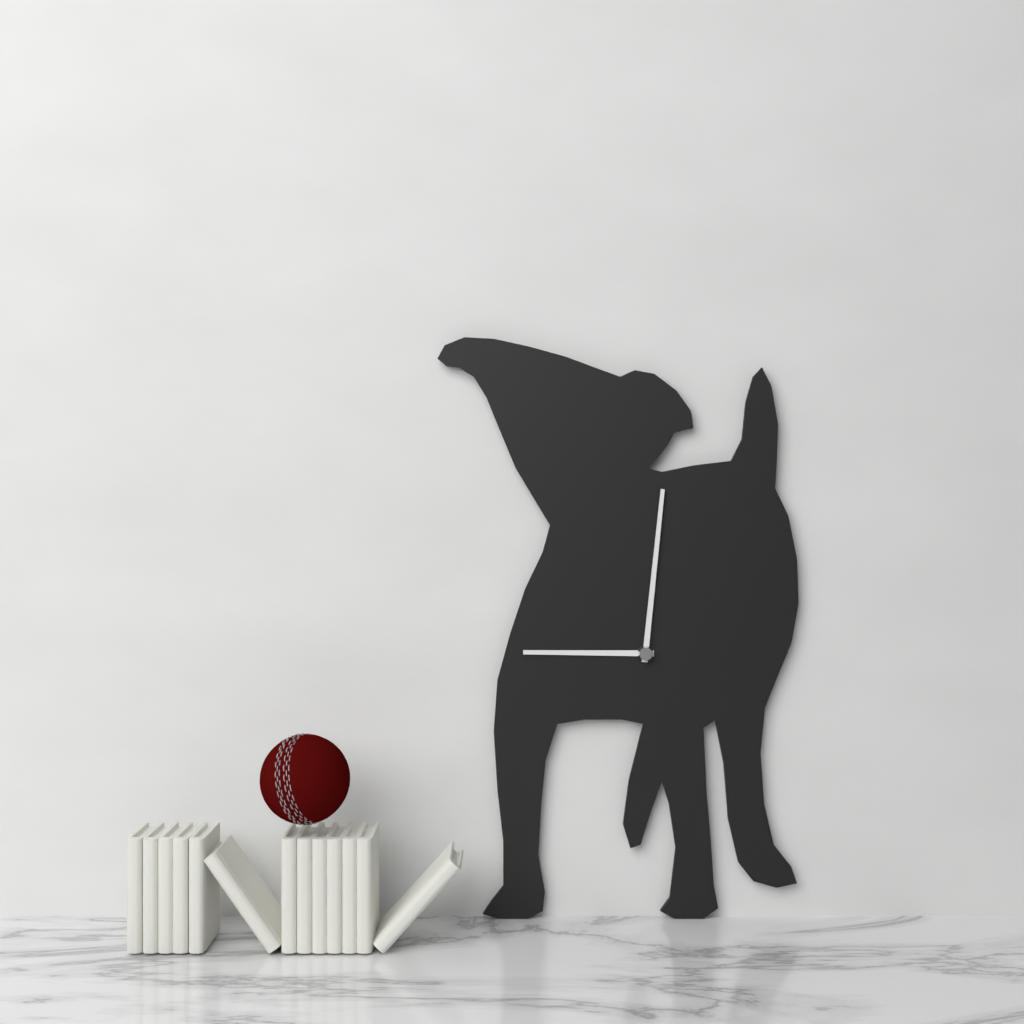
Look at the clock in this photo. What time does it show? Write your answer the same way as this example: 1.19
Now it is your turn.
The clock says 9.01
